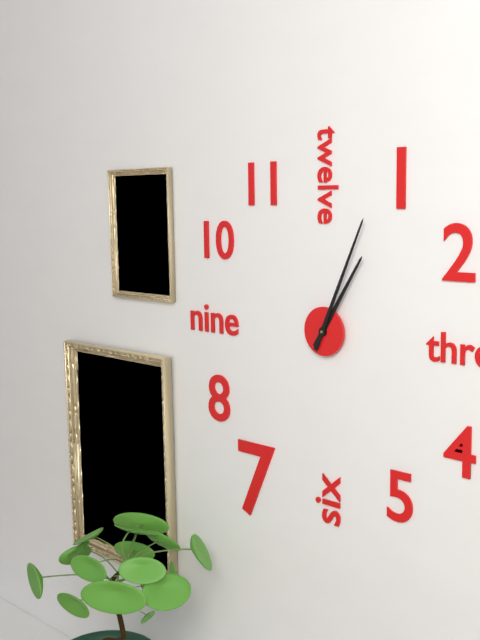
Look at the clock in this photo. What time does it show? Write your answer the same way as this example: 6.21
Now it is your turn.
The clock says 1.04
